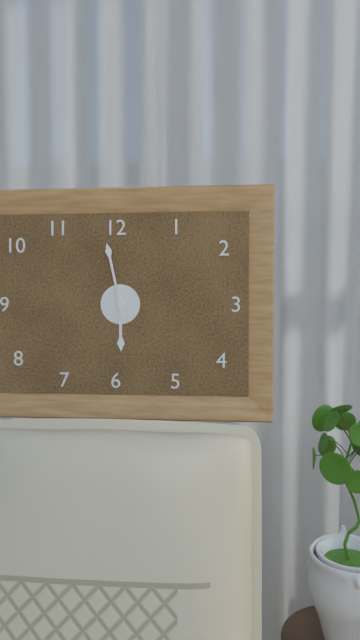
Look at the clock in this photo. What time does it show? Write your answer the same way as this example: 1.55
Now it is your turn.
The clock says 5.58
